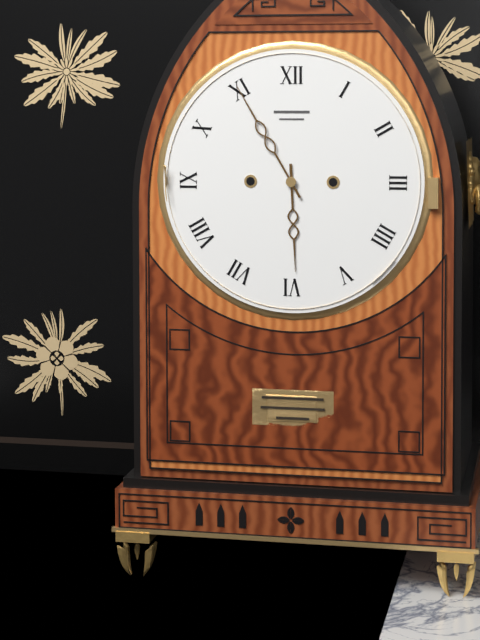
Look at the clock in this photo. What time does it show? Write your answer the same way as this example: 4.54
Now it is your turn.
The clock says 5.55
